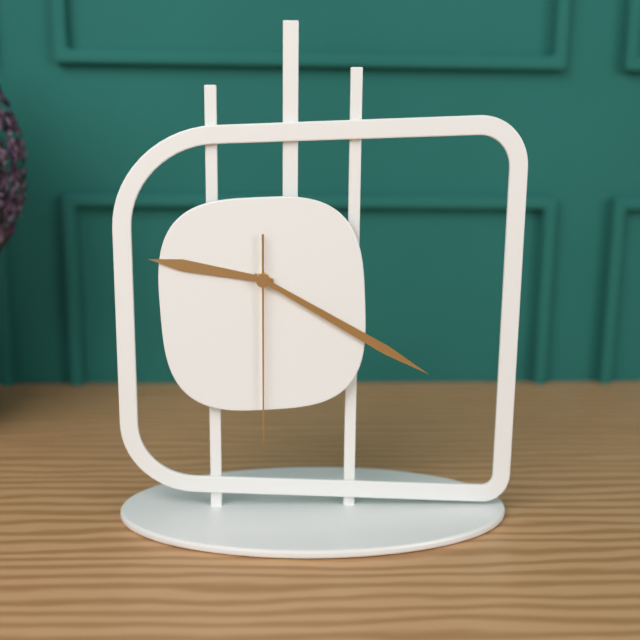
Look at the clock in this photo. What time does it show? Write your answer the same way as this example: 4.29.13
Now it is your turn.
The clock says 9.20.30
